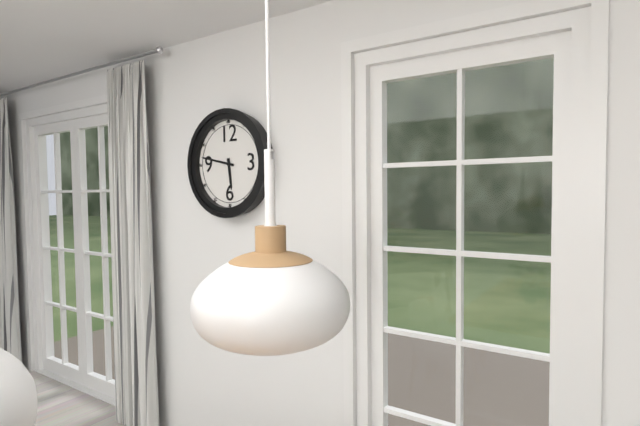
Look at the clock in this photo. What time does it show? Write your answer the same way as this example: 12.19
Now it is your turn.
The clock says 5.47
